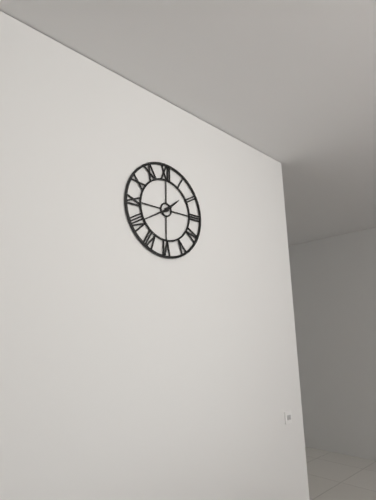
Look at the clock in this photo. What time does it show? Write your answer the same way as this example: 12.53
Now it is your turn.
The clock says 1.40
